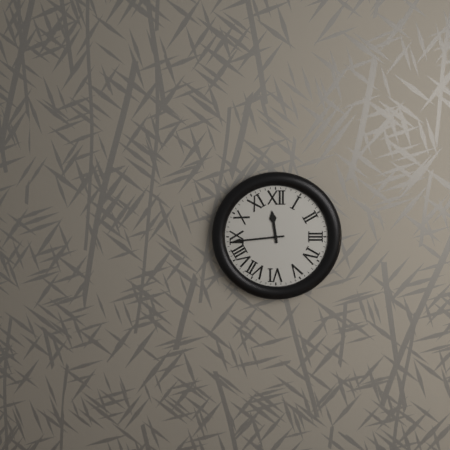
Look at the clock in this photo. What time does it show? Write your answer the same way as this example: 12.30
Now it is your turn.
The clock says 11.44
